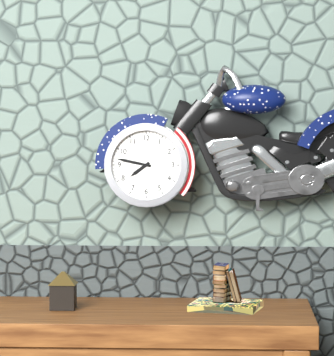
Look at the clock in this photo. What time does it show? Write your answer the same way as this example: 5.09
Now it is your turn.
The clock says 7.47
